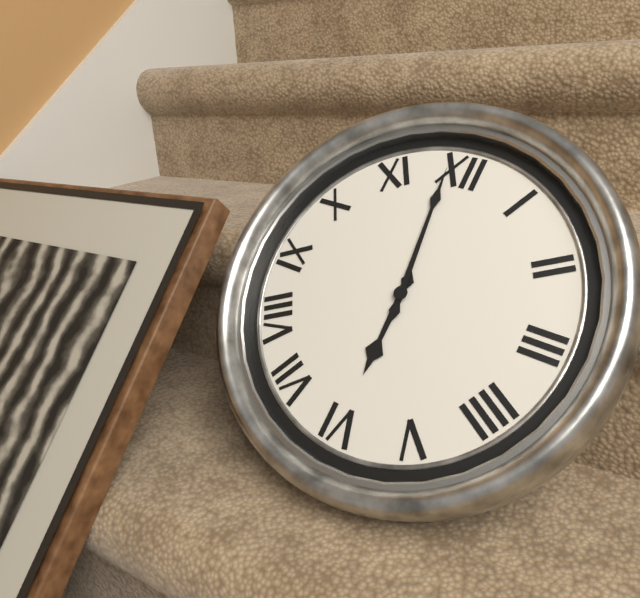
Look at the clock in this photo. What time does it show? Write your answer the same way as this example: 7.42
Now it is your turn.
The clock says 5.59
